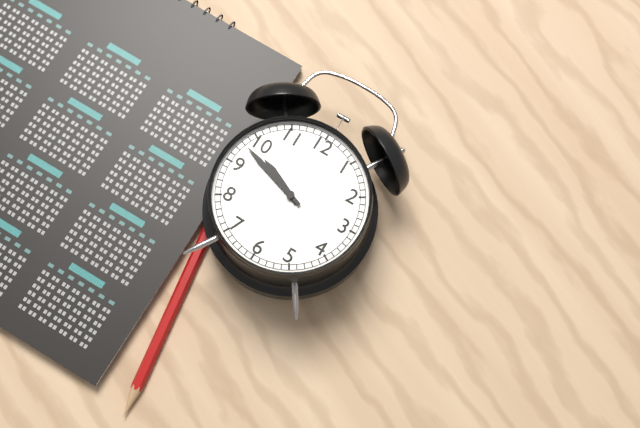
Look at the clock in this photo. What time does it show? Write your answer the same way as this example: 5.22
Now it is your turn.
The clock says 9.48
